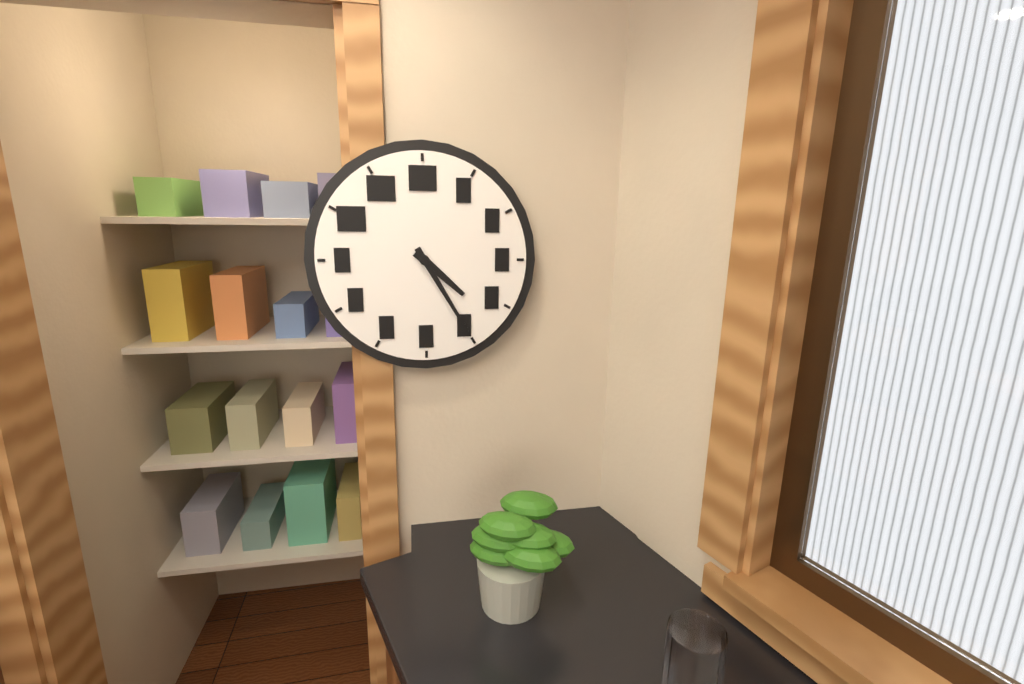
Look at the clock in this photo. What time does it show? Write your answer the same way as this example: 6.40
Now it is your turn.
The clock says 4.25
